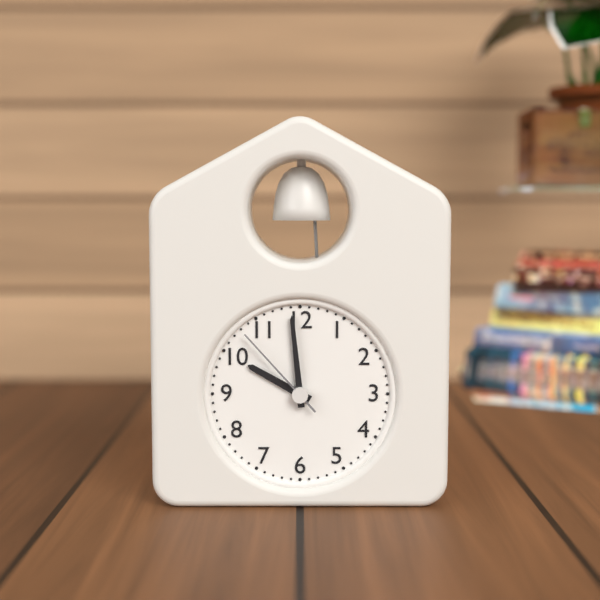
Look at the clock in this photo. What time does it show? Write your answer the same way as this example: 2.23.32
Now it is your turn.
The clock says 9.59.53
